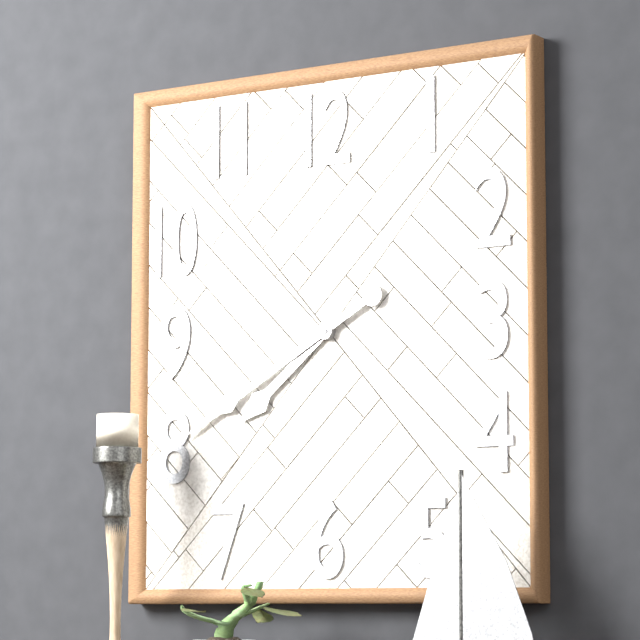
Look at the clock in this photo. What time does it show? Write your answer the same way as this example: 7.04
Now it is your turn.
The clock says 7.40
